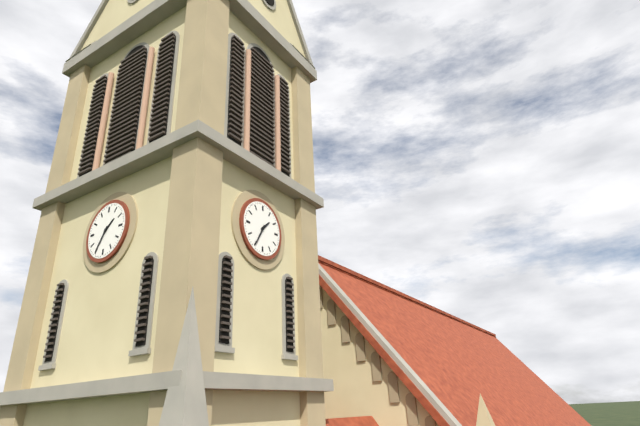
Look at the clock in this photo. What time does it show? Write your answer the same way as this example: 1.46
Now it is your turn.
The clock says 1.35
